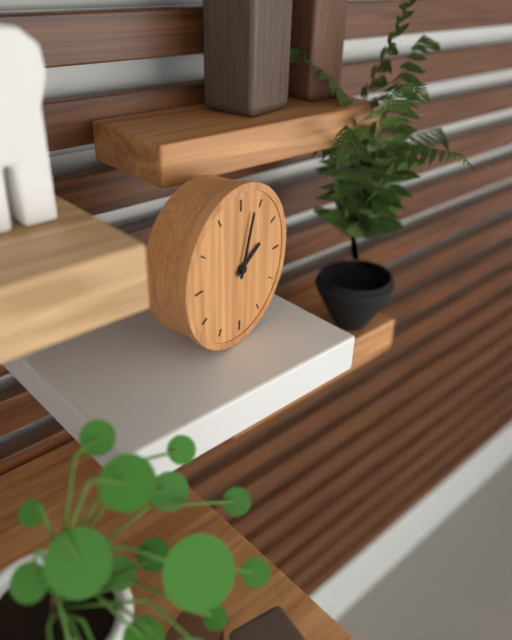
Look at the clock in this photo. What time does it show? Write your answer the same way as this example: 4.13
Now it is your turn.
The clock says 2.03
